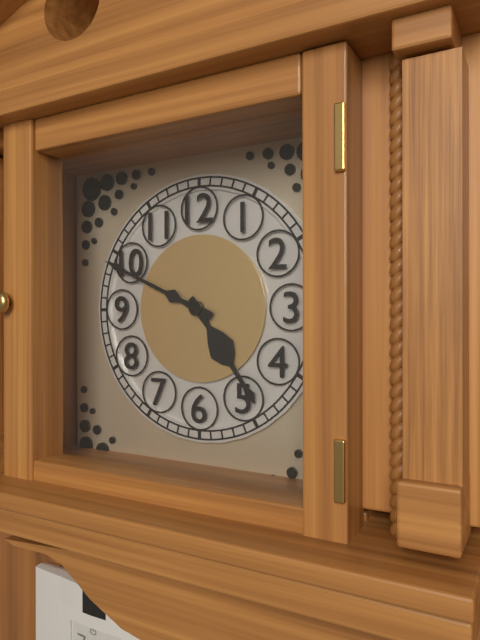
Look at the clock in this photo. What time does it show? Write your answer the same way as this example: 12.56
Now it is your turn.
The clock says 4.49
